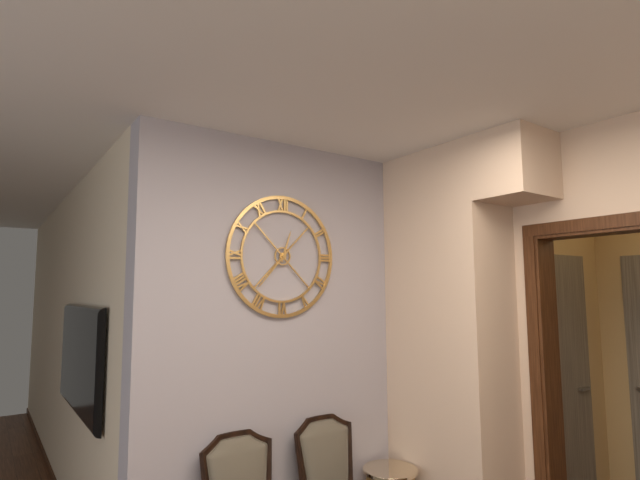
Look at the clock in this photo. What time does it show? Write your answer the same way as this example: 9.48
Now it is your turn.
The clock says 12.37
